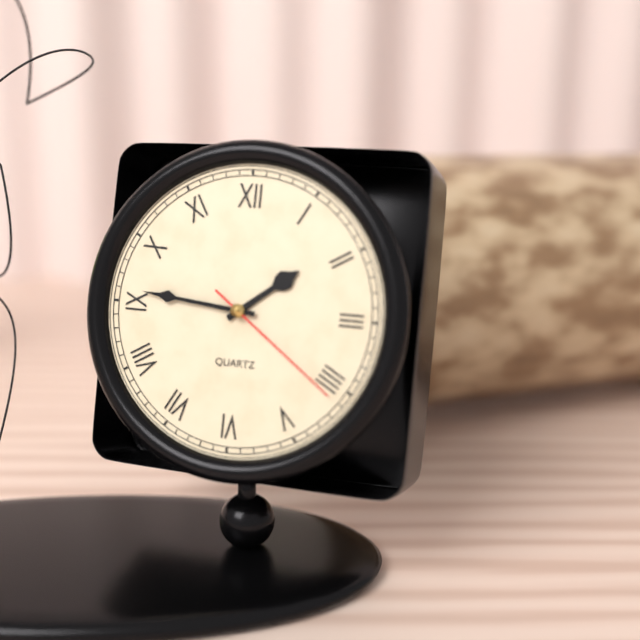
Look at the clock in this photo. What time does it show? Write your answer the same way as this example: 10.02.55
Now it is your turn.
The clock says 1.46.21
